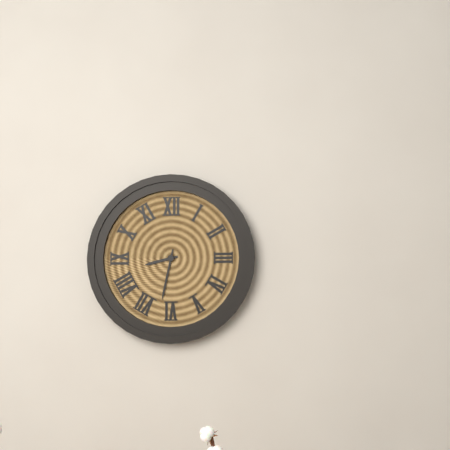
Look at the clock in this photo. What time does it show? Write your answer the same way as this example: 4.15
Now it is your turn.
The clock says 8.32
